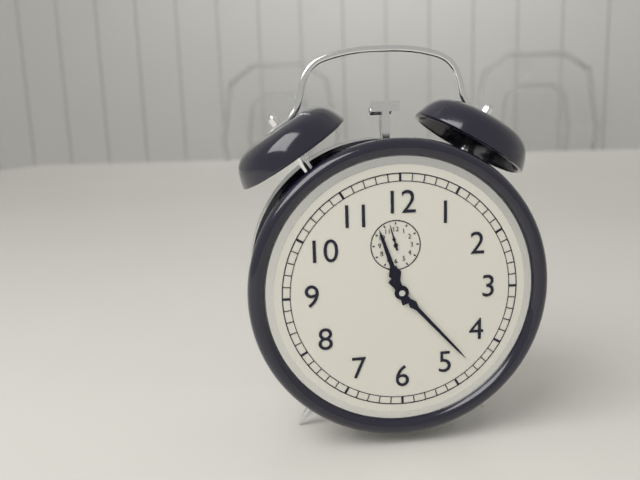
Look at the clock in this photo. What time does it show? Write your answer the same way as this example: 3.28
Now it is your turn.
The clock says 11.23
